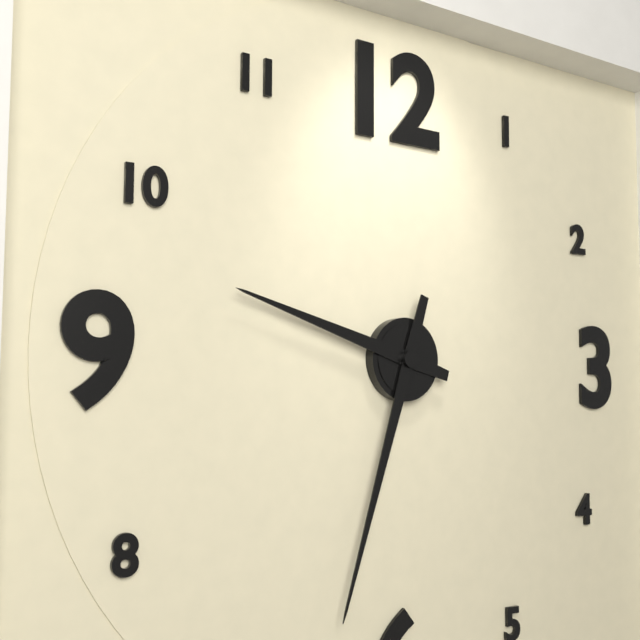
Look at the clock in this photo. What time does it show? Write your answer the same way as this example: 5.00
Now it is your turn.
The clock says 9.33
